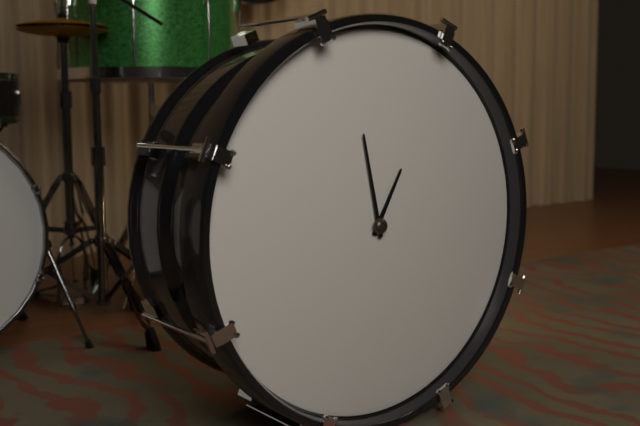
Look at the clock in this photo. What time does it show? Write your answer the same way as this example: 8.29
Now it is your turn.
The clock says 12.58
